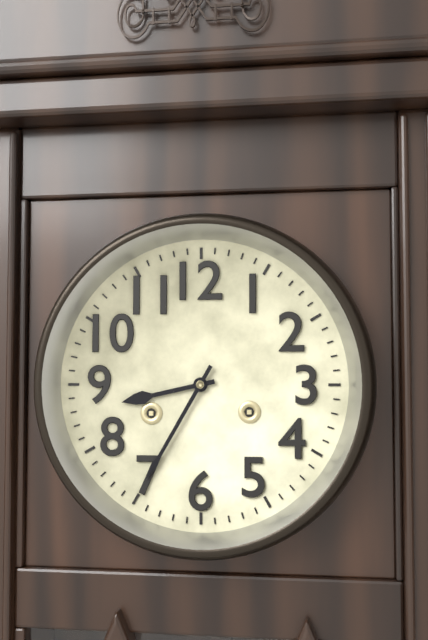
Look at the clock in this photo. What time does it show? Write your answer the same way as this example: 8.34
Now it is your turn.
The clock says 8.35
